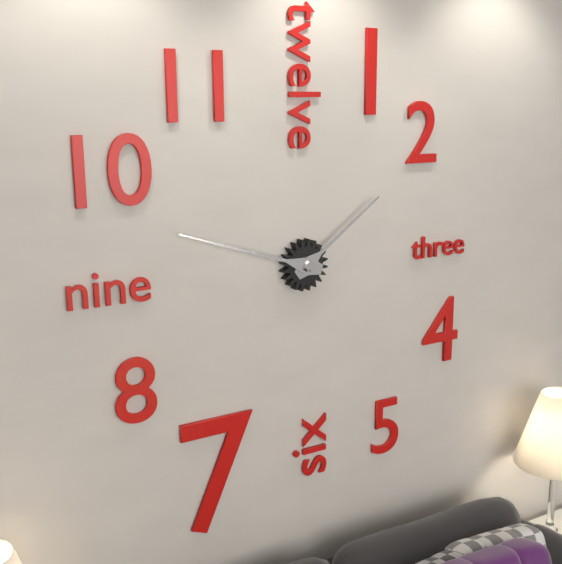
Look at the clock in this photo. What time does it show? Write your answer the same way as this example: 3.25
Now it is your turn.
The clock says 1.48
